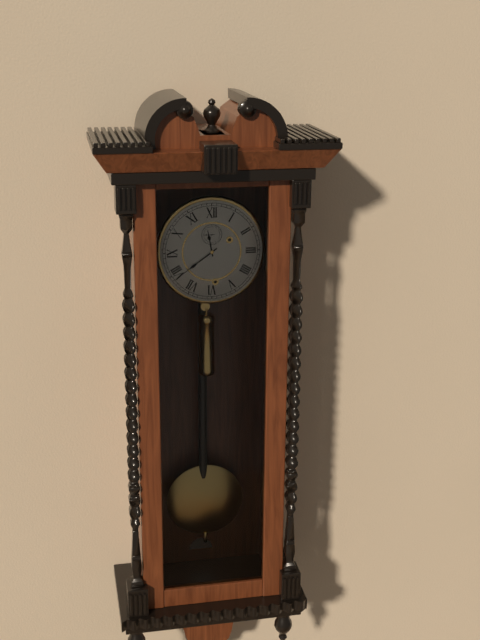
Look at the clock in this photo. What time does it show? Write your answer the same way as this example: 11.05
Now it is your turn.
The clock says 11.39
